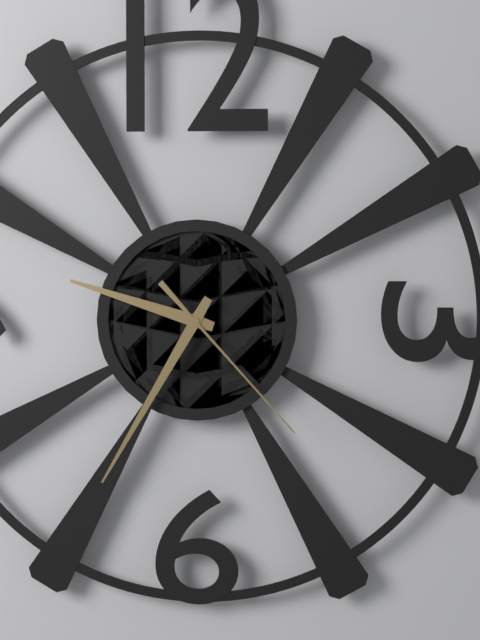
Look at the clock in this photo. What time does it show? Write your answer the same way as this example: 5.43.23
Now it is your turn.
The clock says 9.35.23
